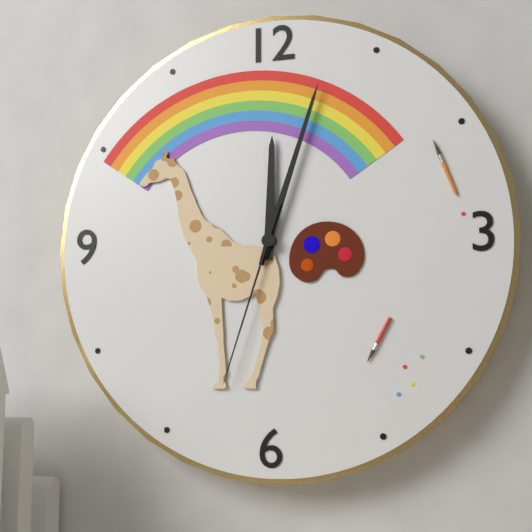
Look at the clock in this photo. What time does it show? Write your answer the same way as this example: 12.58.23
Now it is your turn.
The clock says 12.03.33
